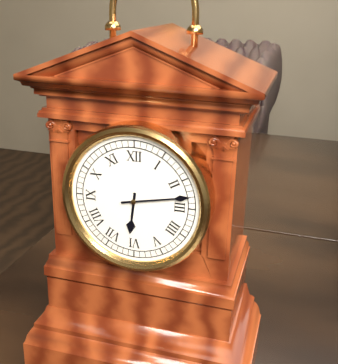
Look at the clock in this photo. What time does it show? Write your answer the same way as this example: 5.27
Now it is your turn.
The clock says 6.13
